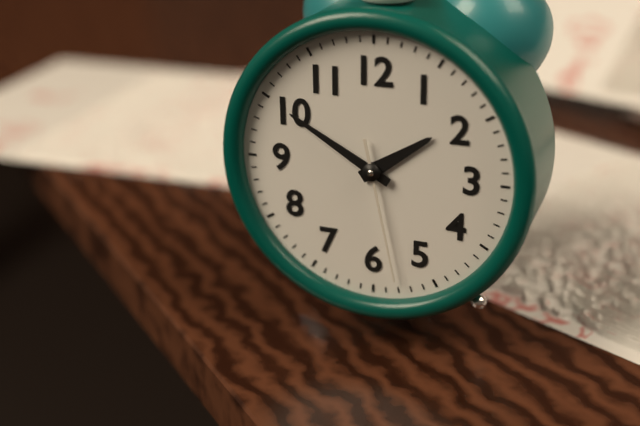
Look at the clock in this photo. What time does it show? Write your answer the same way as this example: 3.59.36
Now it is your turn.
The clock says 1.50.28
